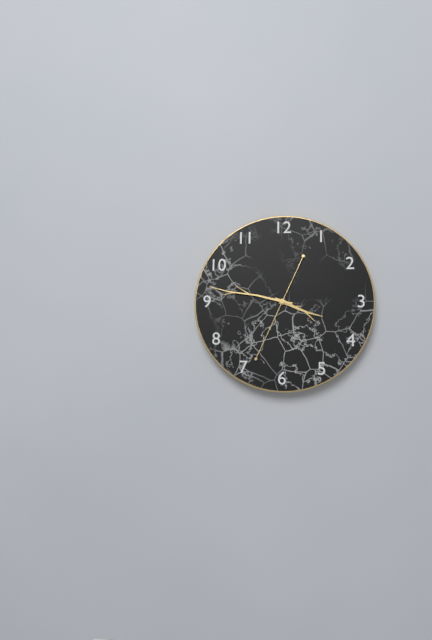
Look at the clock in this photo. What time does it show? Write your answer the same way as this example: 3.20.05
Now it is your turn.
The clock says 3.47.34
